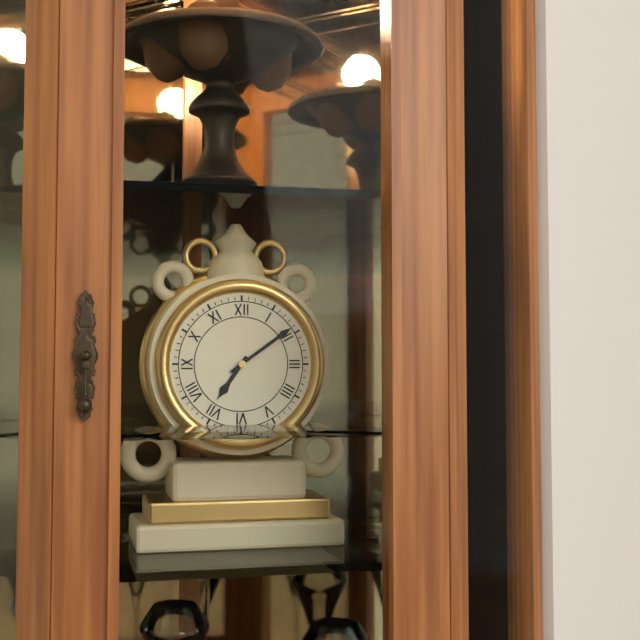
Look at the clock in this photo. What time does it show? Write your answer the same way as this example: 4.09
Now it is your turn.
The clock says 7.09
